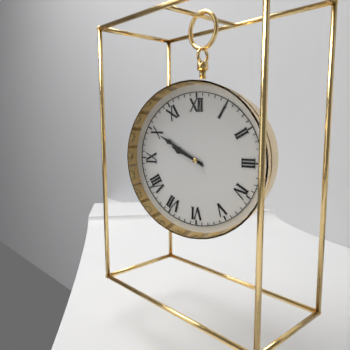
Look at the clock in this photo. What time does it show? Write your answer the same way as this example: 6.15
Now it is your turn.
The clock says 9.50
